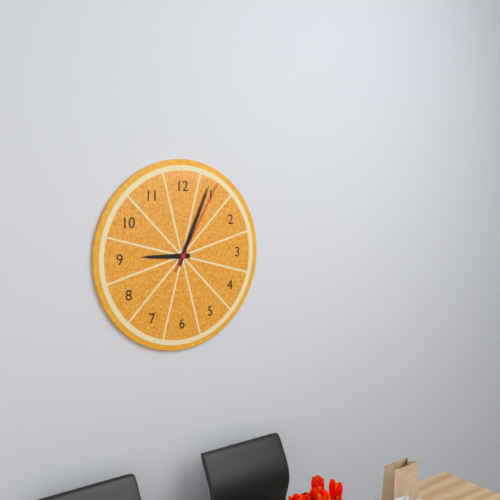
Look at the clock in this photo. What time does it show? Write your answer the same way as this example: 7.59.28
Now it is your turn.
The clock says 9.04.05
